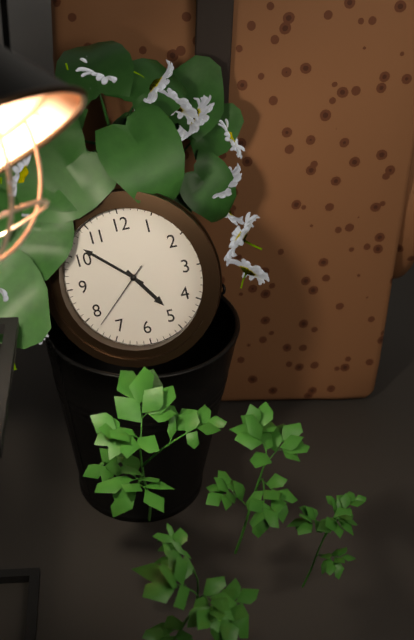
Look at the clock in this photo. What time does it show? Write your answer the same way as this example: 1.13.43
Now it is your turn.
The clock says 4.52.38
